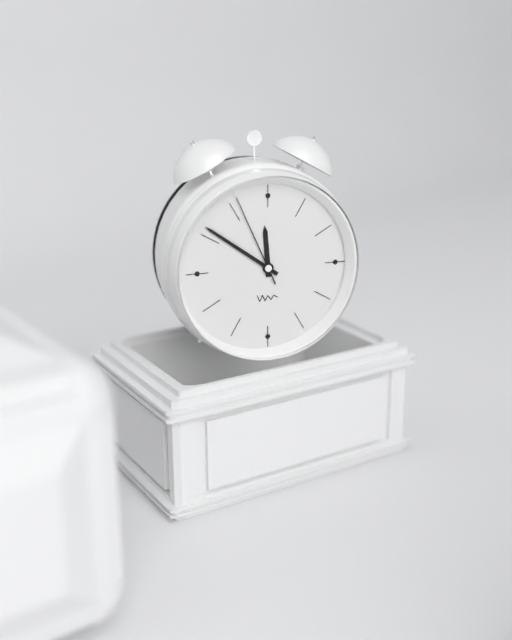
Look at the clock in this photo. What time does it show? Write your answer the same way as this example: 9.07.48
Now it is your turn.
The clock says 11.51.56
